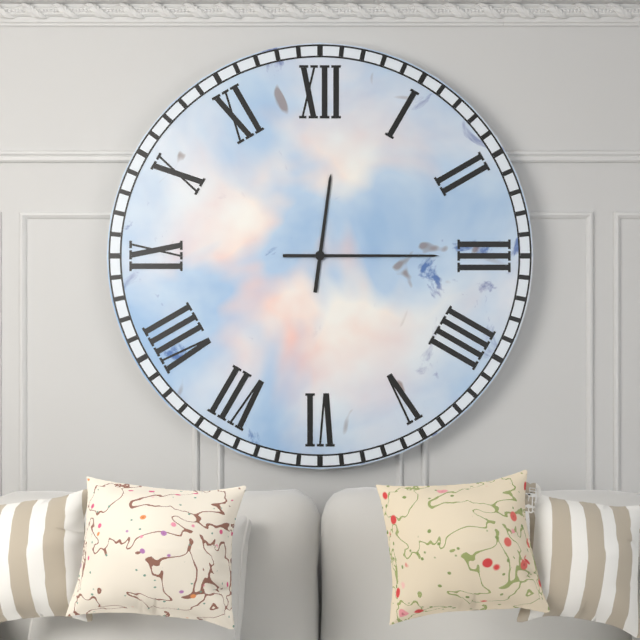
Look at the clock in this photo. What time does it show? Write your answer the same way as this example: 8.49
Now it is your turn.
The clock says 12.15
